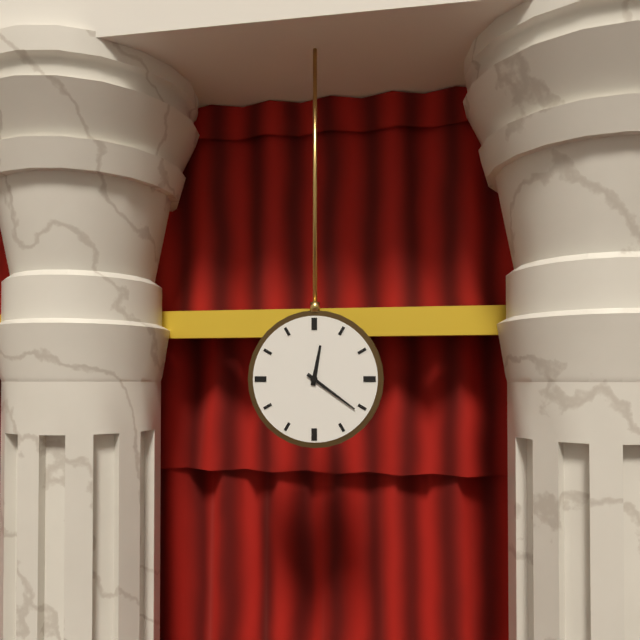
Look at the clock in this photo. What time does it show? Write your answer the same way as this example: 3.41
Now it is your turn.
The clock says 12.21
